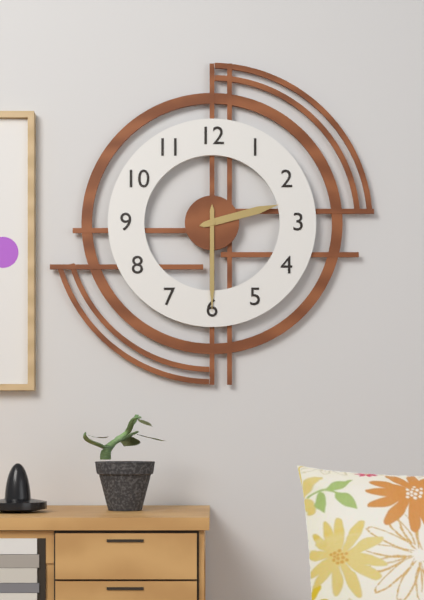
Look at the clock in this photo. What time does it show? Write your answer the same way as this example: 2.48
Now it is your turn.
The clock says 2.30
